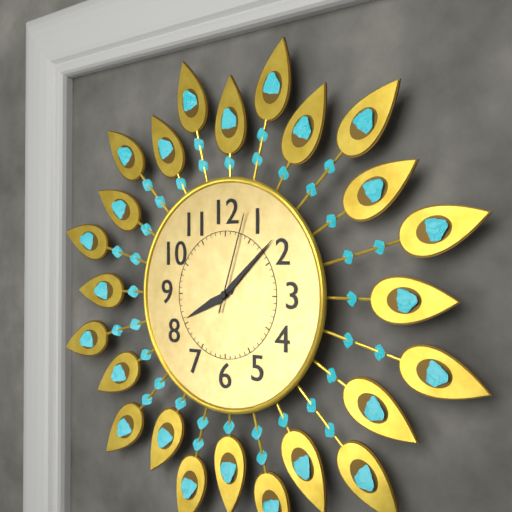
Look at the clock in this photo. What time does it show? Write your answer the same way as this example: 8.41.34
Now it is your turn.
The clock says 8.08.03
